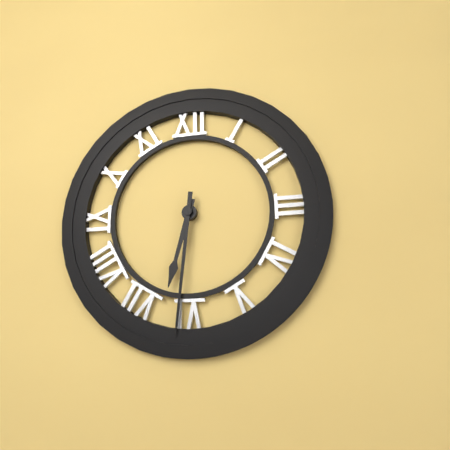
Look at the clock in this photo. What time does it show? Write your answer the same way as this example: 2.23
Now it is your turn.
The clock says 6.31
